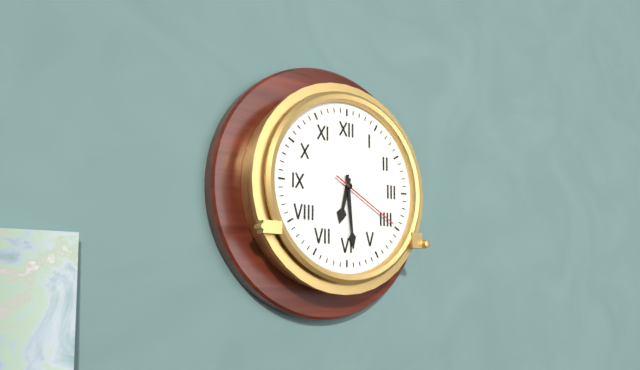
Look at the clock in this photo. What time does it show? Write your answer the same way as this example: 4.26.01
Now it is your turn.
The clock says 6.29.20
